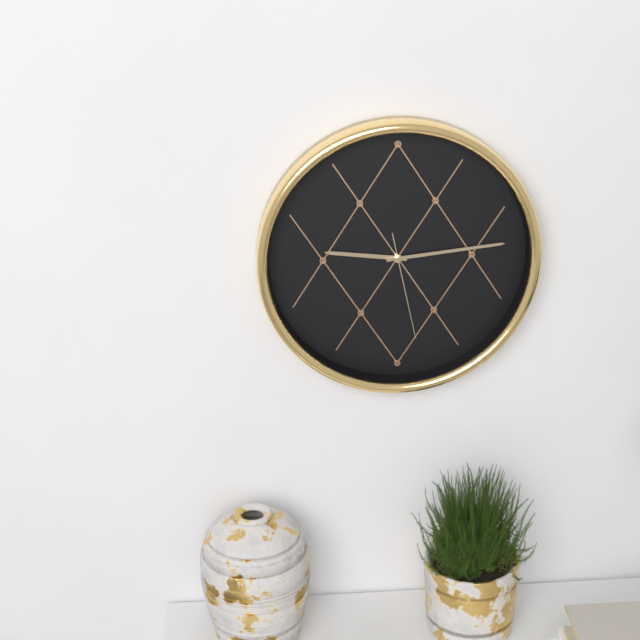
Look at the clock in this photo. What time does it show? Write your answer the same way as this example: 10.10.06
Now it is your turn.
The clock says 9.14.28
